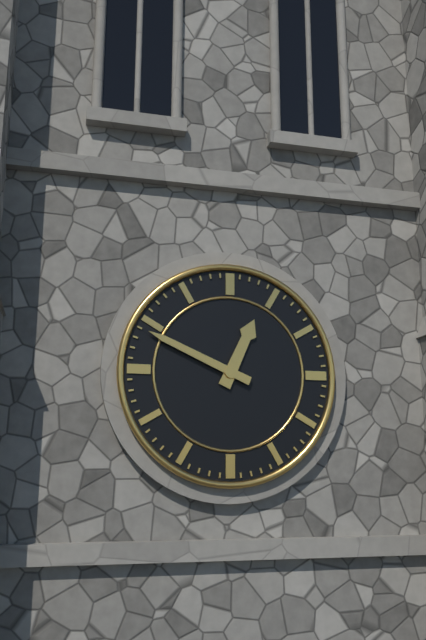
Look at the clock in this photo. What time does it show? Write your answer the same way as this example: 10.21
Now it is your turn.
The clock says 12.49
